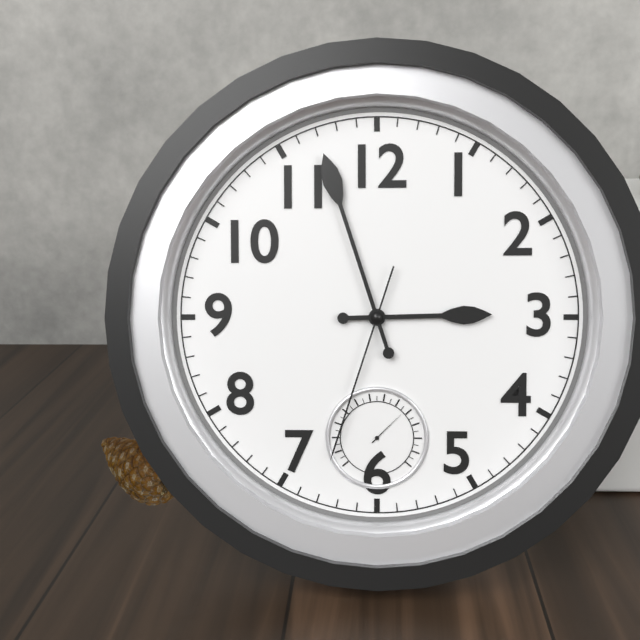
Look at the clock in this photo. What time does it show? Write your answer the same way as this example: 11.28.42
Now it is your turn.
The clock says 2.57.33
